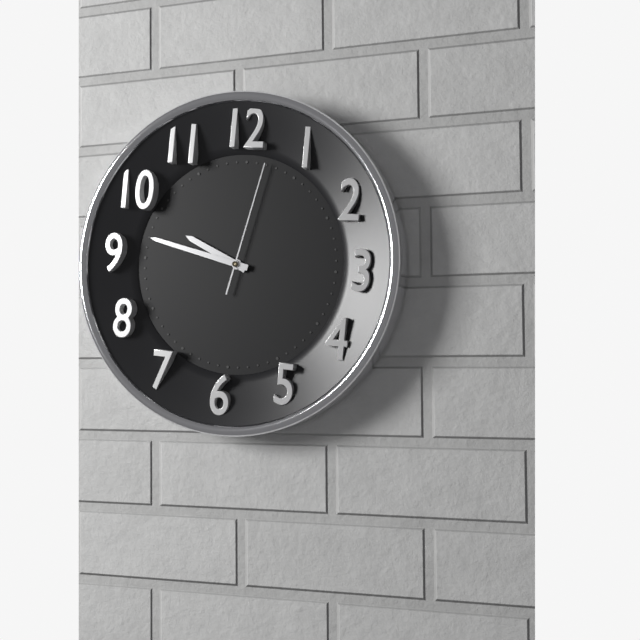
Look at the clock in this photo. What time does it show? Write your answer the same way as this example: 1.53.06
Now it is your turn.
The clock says 9.47.02
